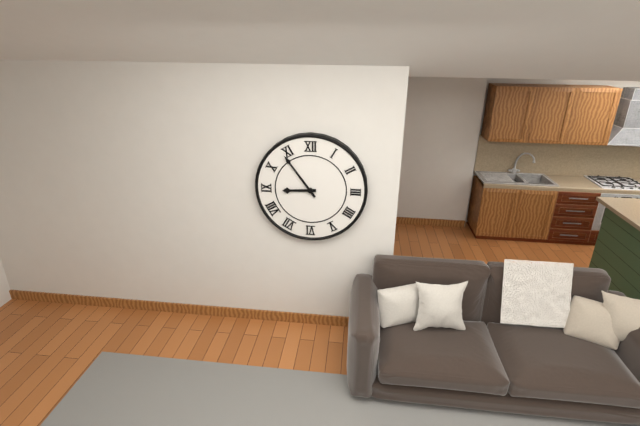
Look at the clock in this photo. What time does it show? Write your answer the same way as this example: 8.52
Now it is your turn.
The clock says 8.54
